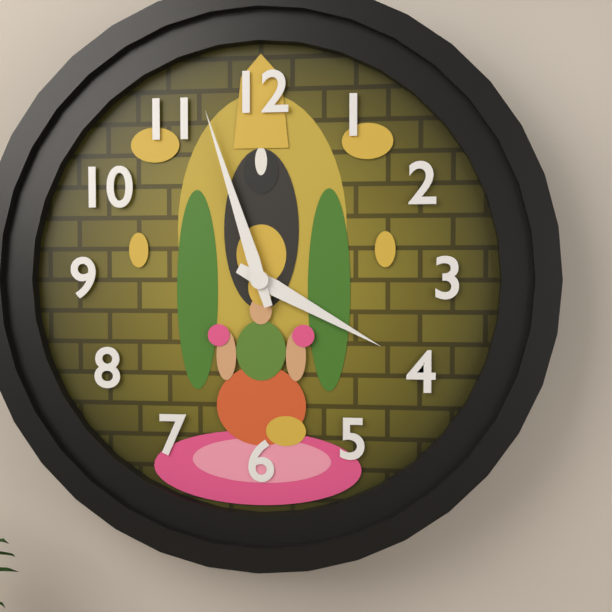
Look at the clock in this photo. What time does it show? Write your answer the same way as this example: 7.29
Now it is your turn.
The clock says 3.57
